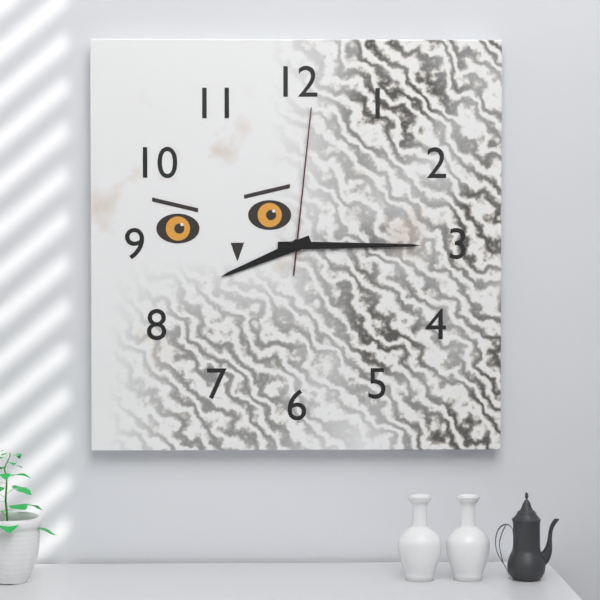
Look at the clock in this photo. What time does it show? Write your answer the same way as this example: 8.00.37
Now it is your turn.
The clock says 8.15.01
